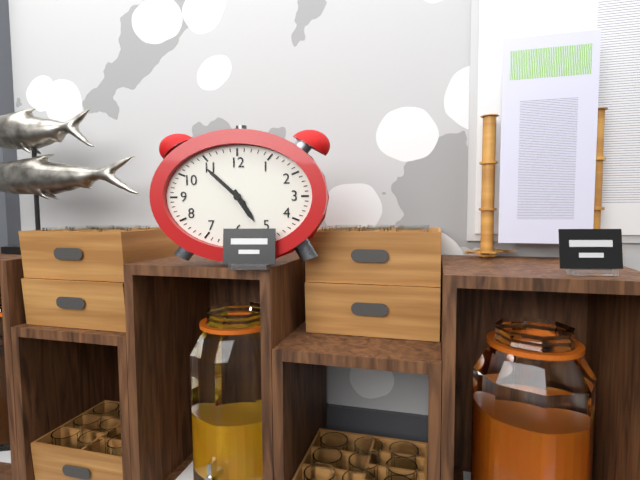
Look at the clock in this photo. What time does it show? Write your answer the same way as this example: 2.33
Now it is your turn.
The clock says 4.52
